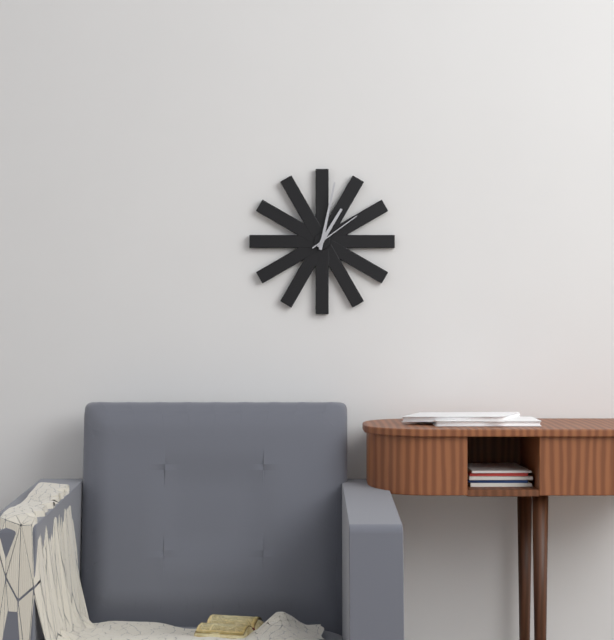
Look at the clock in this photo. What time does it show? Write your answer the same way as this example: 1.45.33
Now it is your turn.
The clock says 1.02.09
